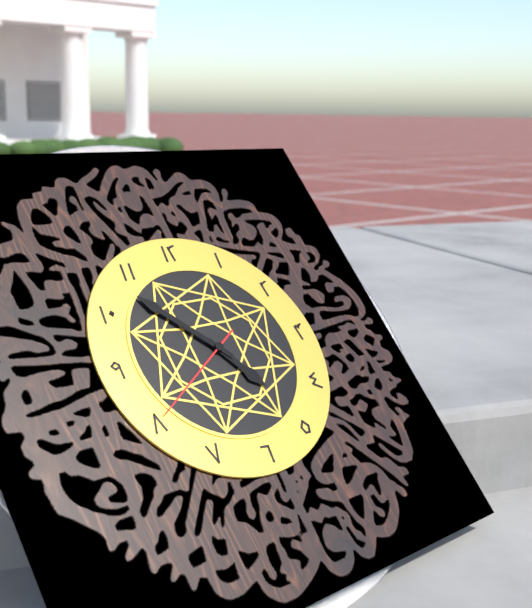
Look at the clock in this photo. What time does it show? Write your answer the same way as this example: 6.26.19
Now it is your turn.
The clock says 4.53.40
